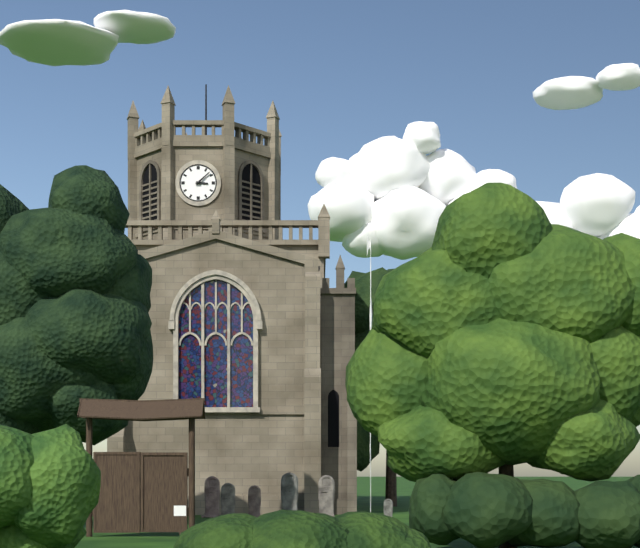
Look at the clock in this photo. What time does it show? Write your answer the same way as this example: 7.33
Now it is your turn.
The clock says 3.08
